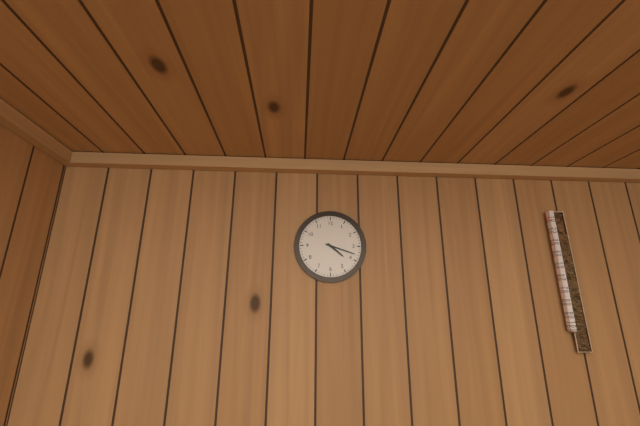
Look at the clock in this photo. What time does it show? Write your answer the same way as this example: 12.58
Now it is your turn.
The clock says 4.18
